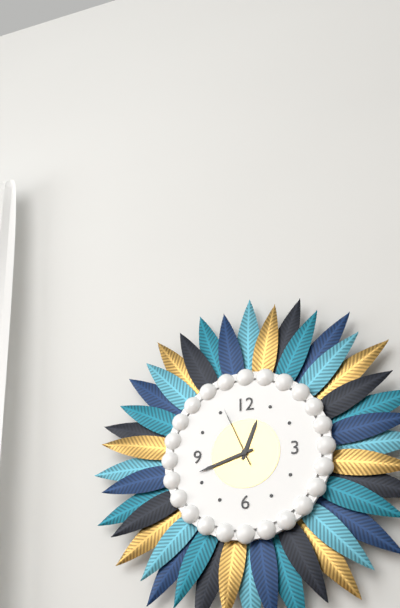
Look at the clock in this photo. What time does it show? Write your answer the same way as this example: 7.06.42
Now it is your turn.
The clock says 12.42.56
